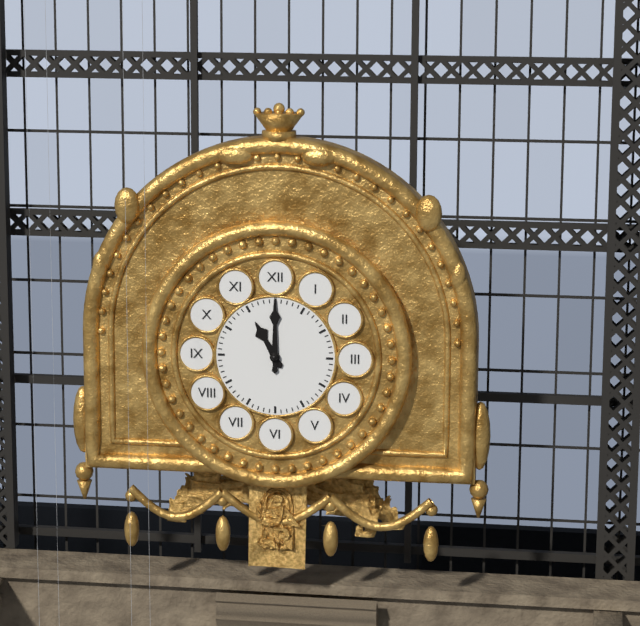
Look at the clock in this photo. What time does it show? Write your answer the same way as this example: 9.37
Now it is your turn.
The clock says 11.00
